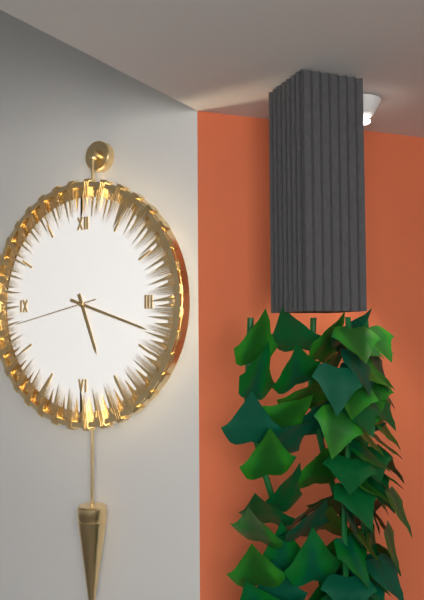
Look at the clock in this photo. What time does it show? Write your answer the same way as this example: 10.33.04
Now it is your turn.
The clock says 5.18.43
